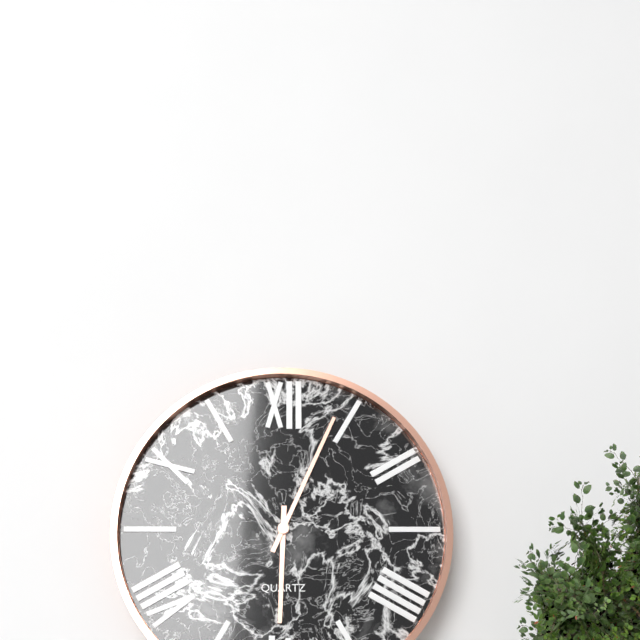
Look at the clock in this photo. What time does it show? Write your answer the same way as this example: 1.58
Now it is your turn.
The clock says 6.04
